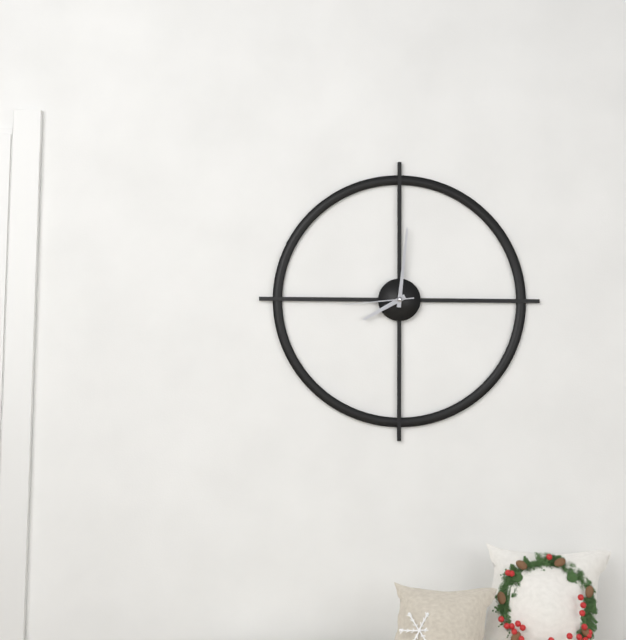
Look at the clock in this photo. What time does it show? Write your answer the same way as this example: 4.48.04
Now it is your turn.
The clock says 8.01.44
